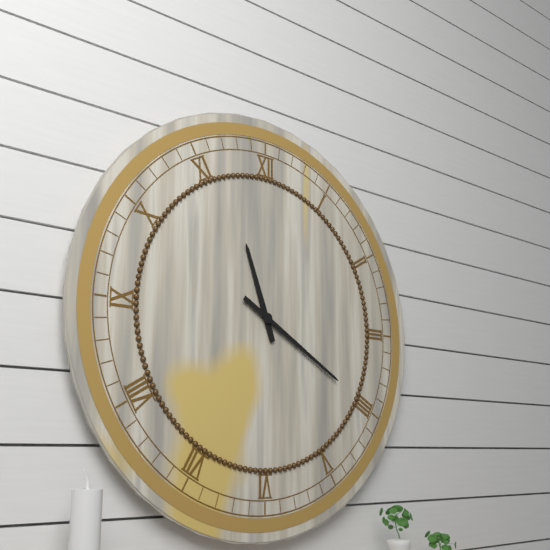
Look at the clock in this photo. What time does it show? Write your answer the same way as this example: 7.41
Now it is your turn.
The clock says 11.20
